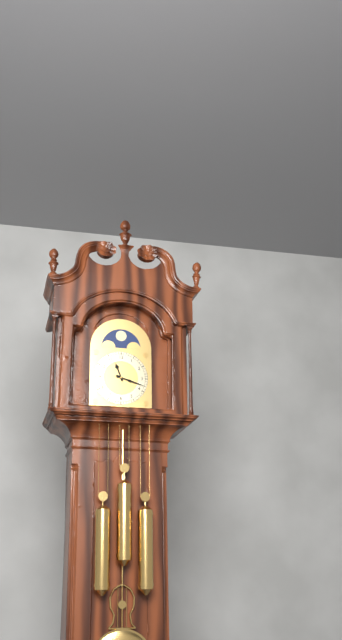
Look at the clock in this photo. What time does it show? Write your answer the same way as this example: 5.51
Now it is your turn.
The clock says 11.18
